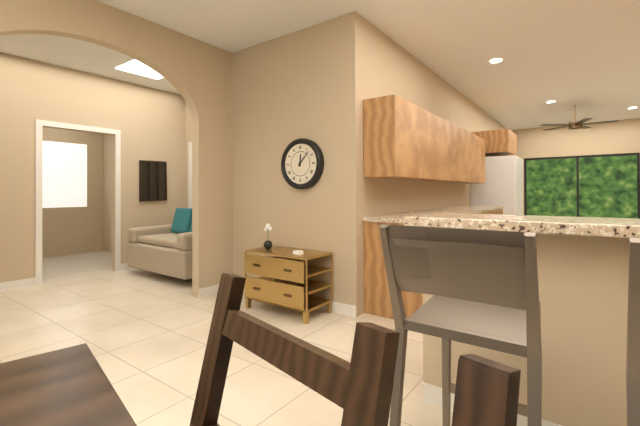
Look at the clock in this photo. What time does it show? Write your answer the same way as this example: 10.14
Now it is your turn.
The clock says 12.07
